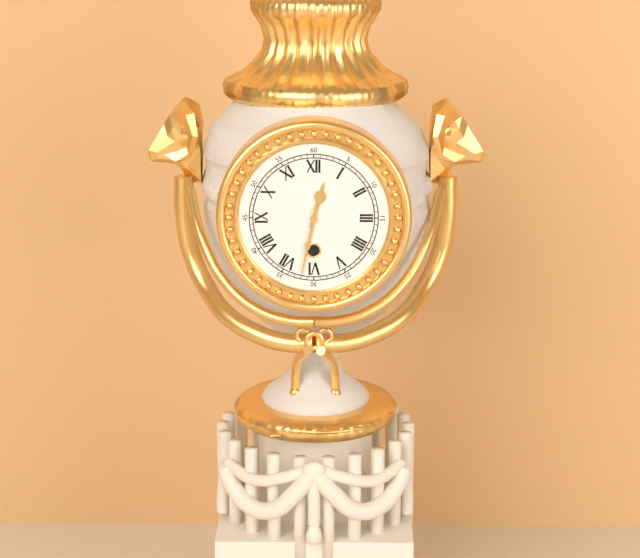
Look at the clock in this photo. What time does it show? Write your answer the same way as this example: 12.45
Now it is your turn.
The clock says 12.32
